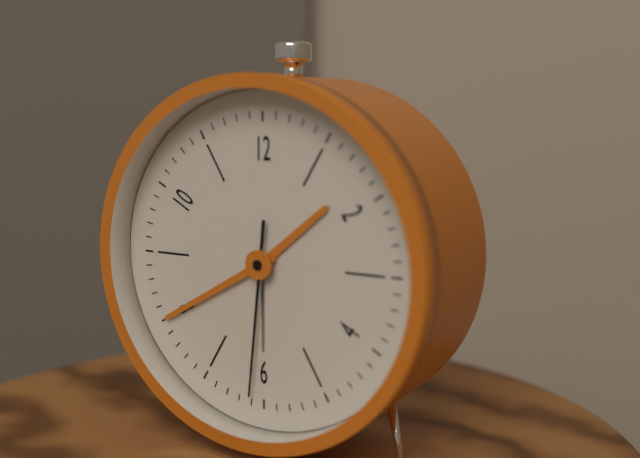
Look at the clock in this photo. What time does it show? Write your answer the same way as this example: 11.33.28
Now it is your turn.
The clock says 1.40.31
